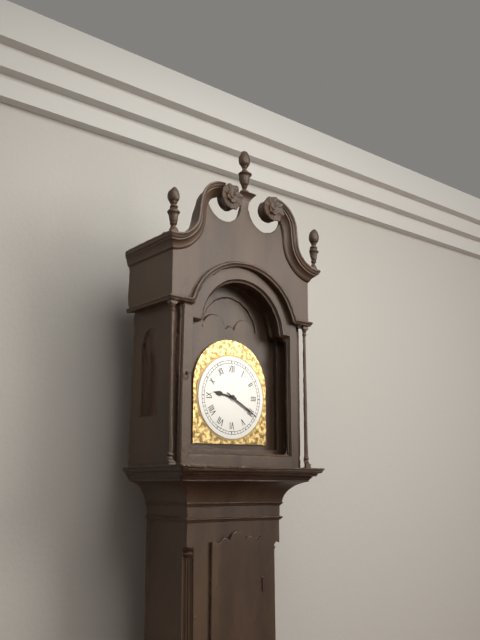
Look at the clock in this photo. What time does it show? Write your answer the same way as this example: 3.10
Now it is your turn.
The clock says 9.20
